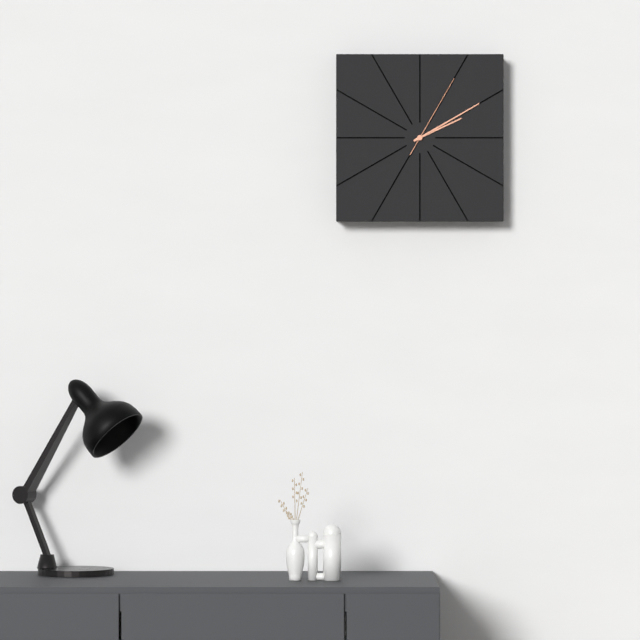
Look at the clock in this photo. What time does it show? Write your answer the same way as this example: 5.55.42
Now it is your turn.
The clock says 2.10.05
